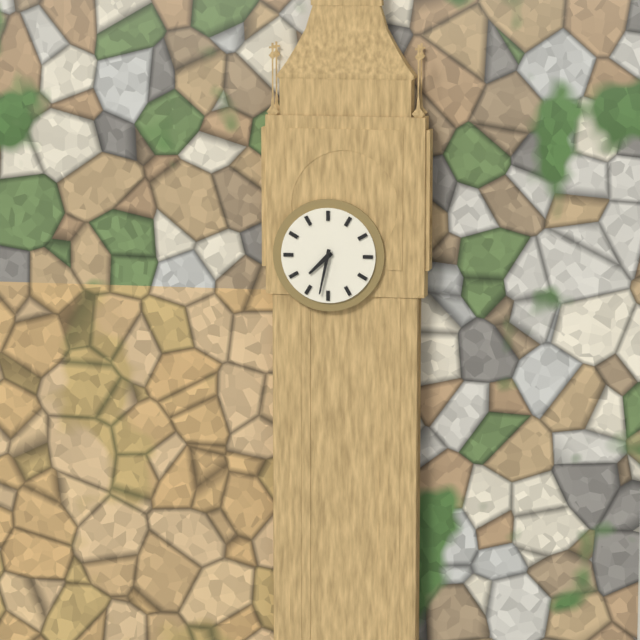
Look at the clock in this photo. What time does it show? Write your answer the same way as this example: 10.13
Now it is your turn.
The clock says 7.32
